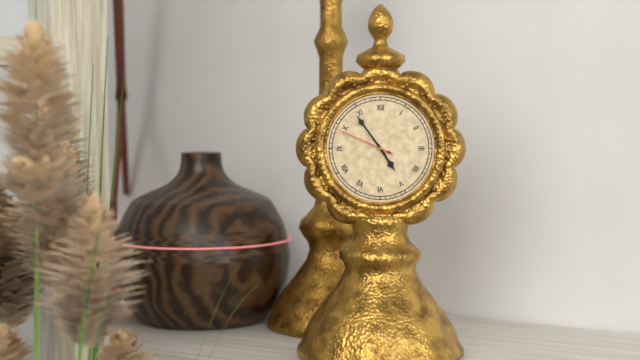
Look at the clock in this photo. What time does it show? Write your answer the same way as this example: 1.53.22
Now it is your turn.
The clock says 4.54.49
